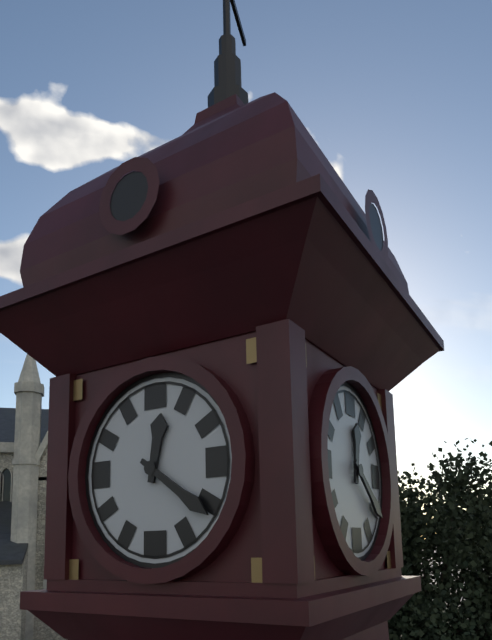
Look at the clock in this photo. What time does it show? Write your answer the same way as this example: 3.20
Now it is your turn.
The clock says 12.21
